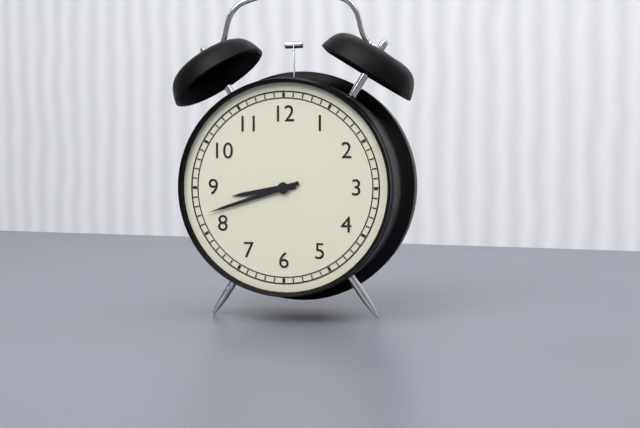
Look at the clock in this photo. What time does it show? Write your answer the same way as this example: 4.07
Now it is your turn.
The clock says 8.42
